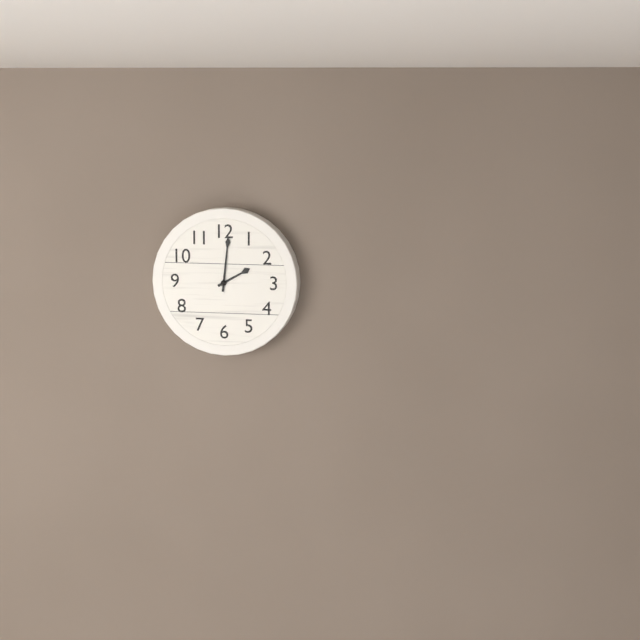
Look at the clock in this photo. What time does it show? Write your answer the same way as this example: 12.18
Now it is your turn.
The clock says 2.01
